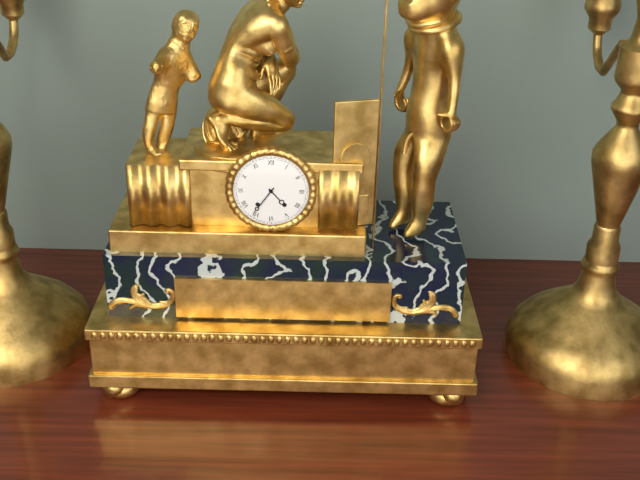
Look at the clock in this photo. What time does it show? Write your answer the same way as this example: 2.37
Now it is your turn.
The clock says 4.36
